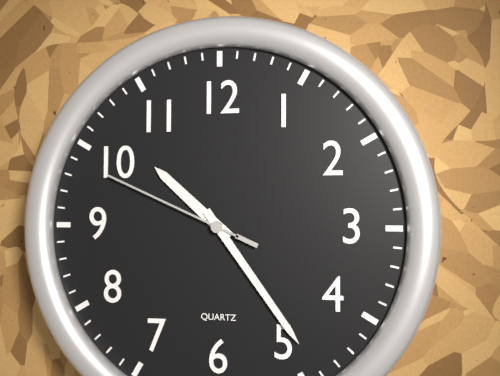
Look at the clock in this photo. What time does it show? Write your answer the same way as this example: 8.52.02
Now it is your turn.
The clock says 10.24.49
